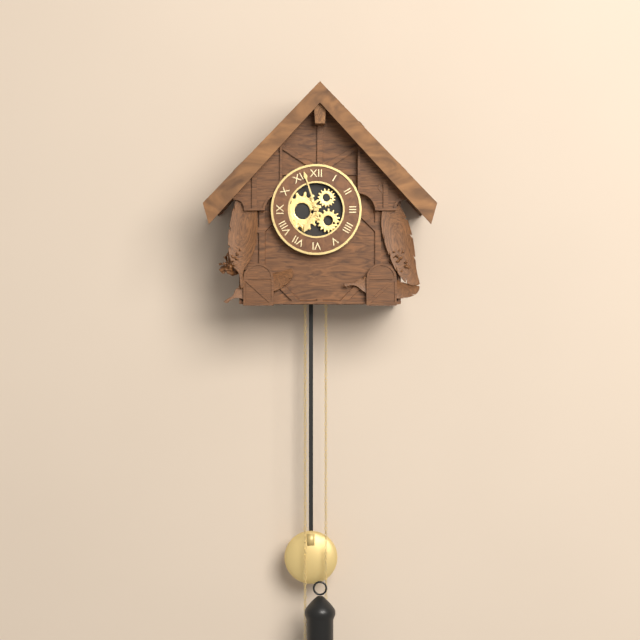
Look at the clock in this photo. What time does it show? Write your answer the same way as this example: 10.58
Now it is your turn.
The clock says 6.57
